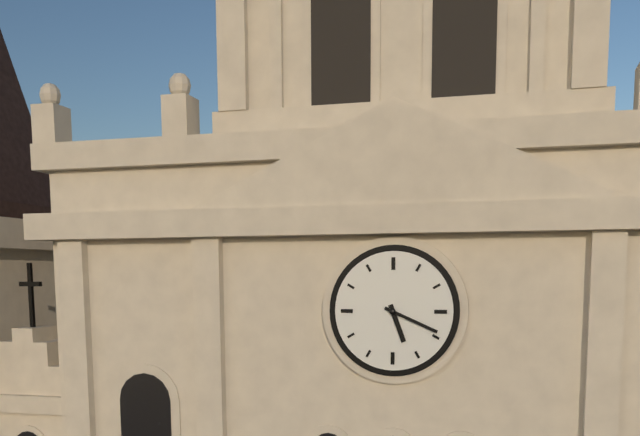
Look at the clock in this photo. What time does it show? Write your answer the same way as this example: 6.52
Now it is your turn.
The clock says 5.19
